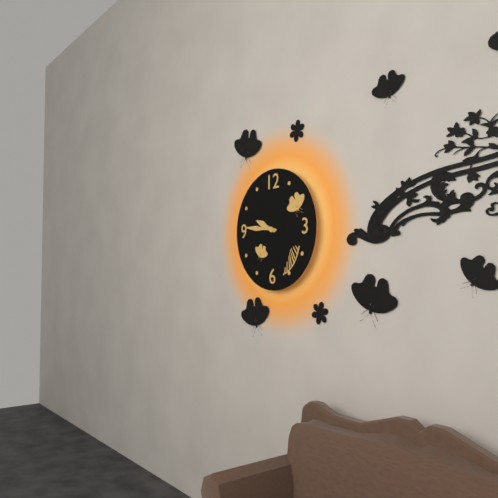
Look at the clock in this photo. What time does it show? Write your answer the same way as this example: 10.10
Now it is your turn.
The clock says 9.46
